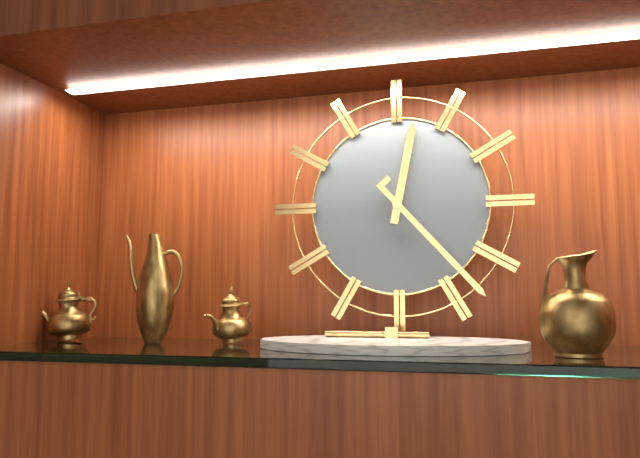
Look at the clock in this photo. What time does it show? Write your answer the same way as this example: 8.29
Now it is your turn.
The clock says 12.23
